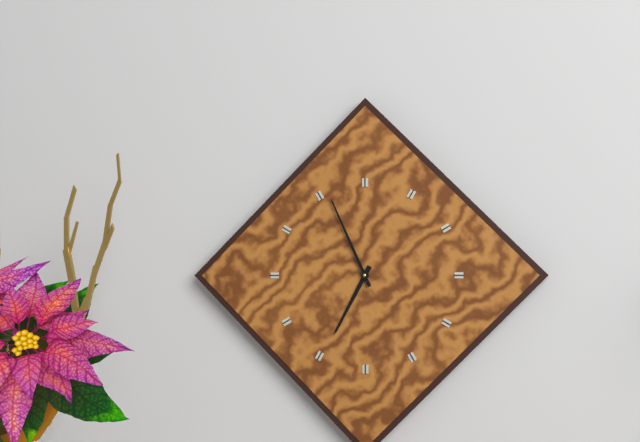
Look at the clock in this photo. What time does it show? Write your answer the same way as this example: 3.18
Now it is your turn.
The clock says 6.56
